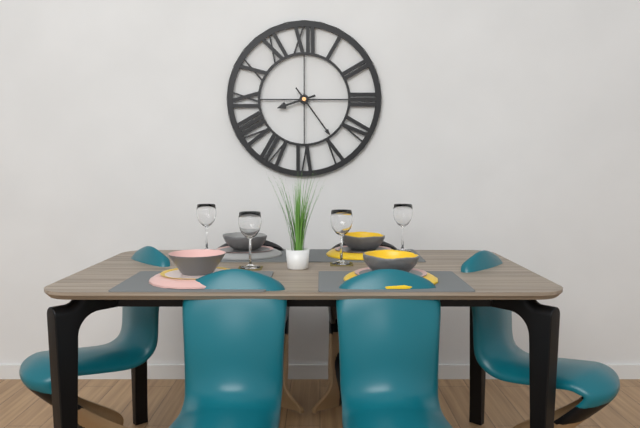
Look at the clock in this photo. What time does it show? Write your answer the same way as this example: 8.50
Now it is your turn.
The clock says 8.24
